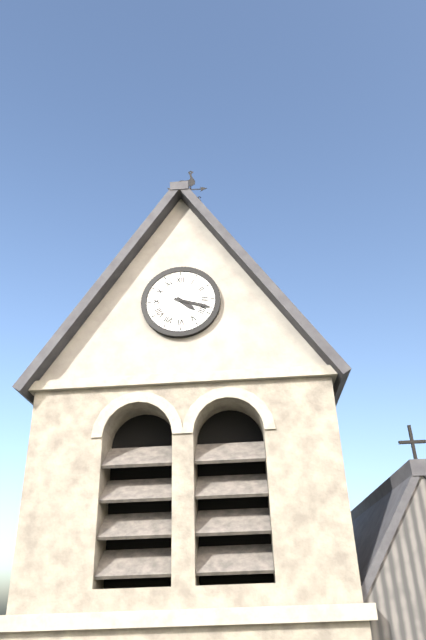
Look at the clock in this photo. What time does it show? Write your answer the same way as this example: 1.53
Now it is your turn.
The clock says 4.18
